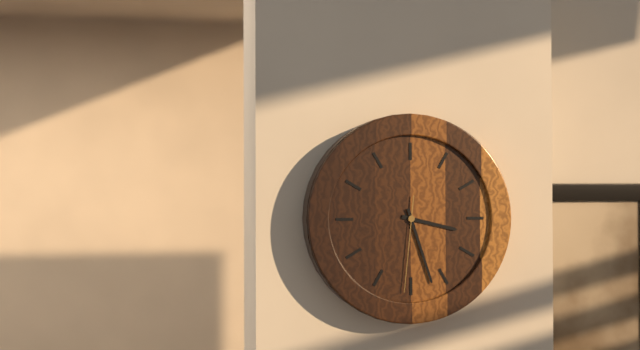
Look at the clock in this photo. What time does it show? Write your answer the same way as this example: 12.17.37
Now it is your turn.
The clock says 3.27.31
